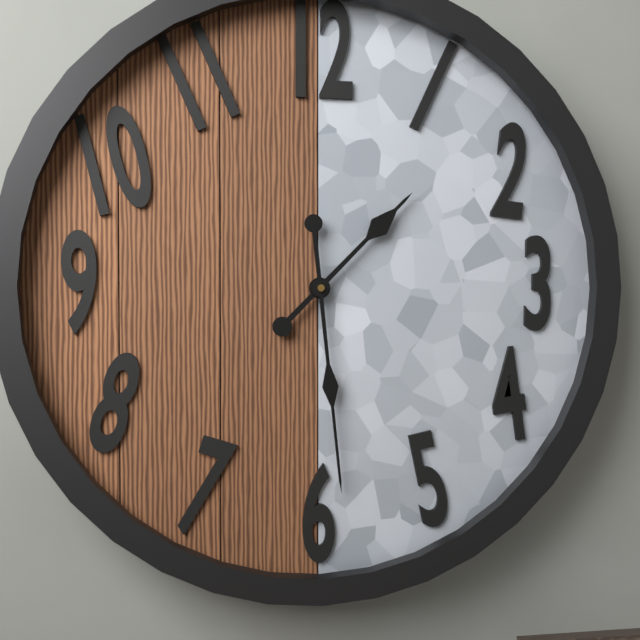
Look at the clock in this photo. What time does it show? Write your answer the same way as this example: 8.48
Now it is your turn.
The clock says 1.29
